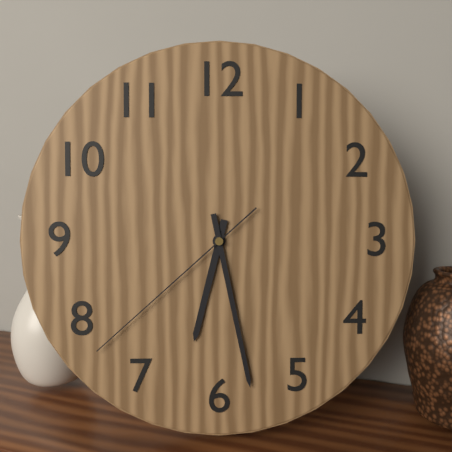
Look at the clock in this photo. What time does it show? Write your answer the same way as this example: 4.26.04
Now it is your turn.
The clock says 6.28.38
